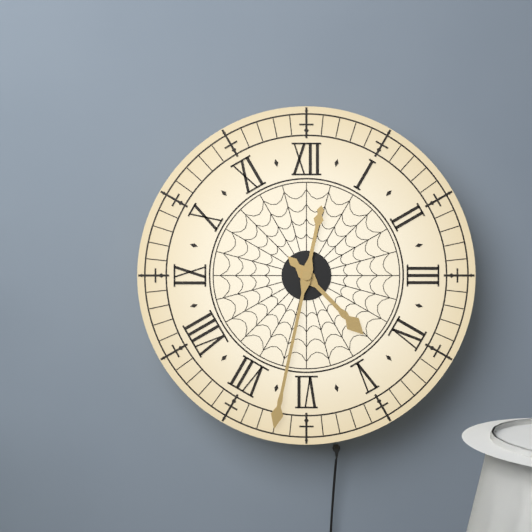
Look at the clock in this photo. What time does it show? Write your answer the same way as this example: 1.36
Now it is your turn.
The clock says 4.32
